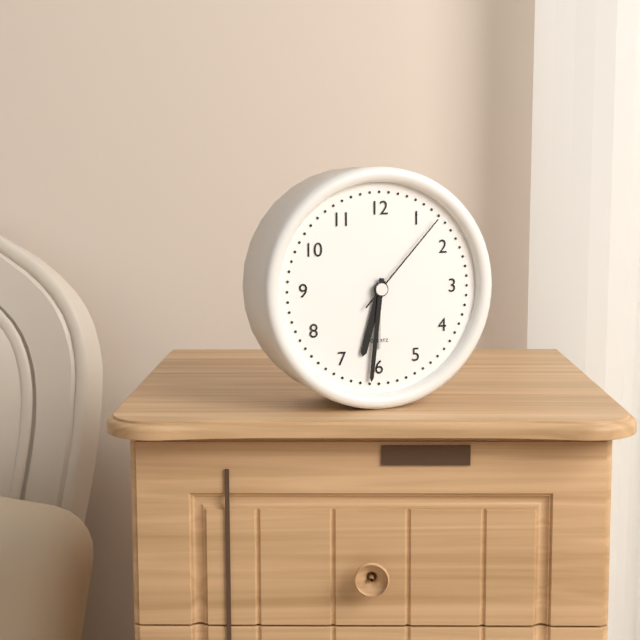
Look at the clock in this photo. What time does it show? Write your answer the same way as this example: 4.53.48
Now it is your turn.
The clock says 6.31.07
